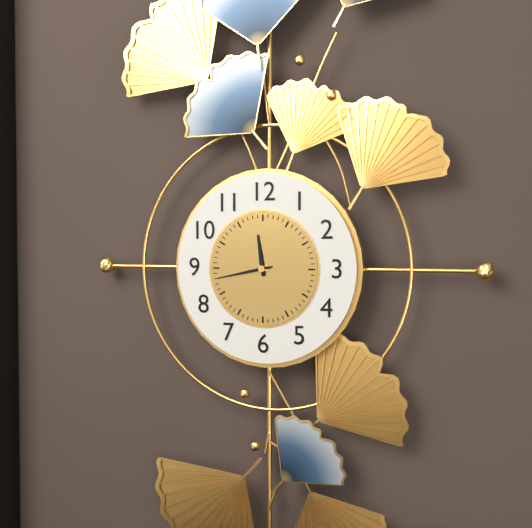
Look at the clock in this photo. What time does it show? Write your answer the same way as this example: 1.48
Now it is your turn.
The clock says 11.43
